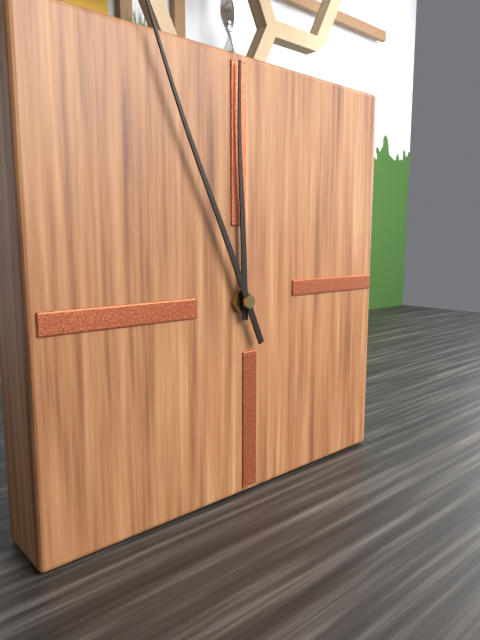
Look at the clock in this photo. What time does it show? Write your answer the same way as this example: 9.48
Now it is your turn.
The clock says 11.56
